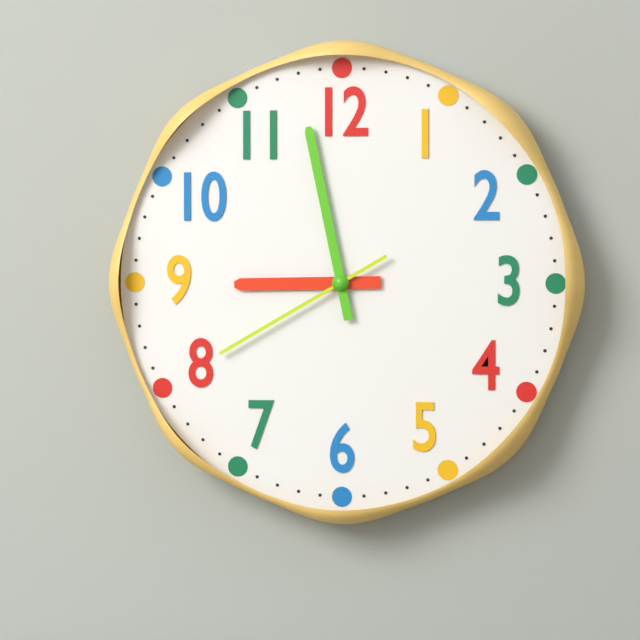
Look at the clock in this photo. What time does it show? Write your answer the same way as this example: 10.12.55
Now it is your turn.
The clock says 8.58.40
